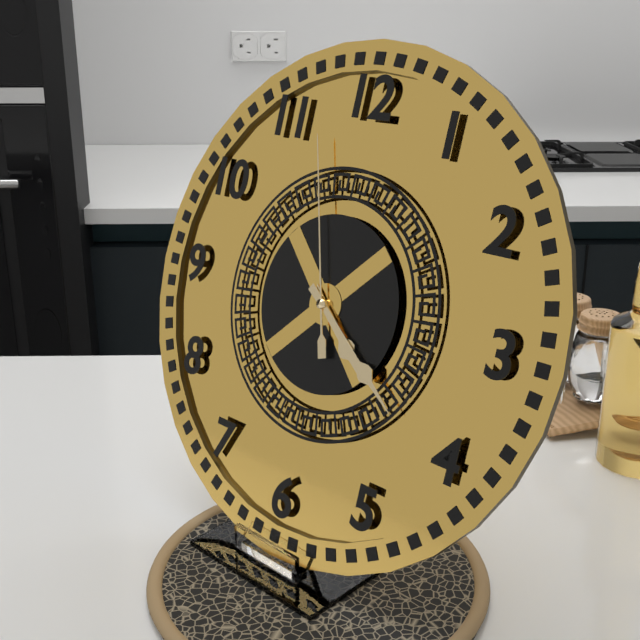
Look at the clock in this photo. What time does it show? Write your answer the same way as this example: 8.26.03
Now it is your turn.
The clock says 4.21.57
